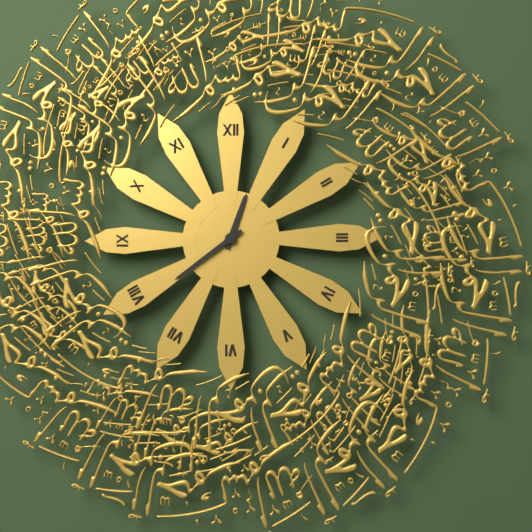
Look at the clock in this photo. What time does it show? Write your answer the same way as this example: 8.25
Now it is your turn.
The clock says 12.39
